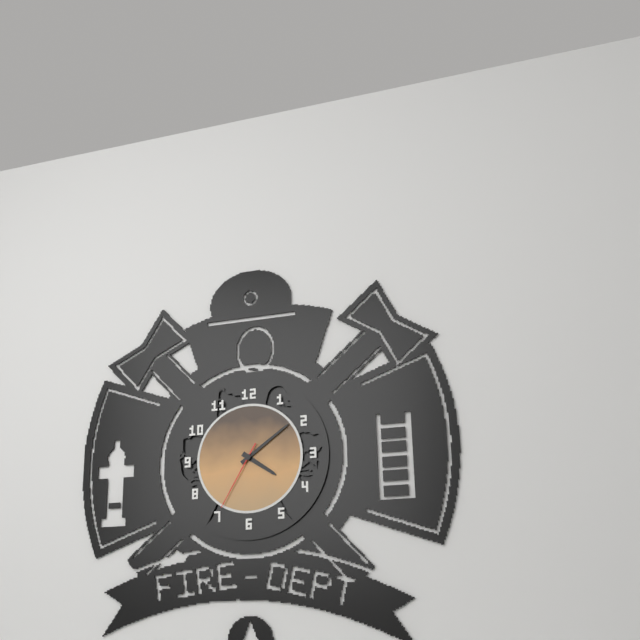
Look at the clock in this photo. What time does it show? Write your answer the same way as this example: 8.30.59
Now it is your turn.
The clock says 4.09.35
